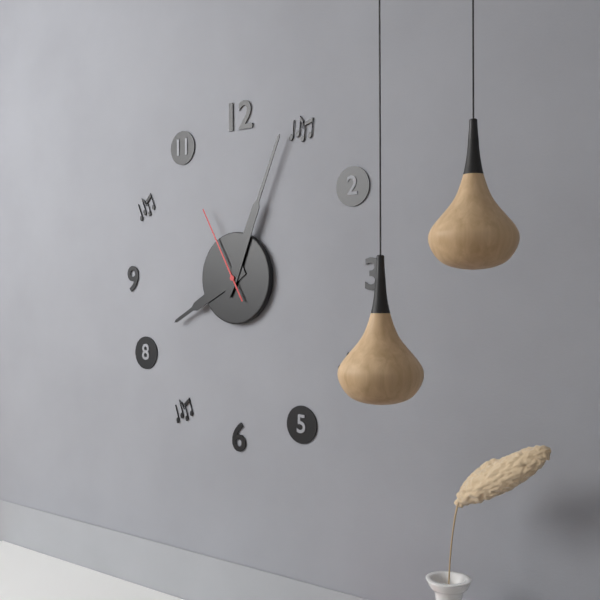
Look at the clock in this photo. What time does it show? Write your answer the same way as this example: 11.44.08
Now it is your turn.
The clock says 8.04.55
